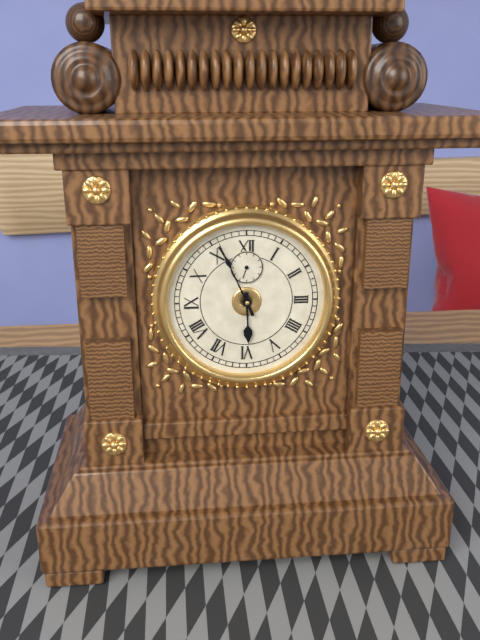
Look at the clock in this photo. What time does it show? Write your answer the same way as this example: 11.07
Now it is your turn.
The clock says 5.56
